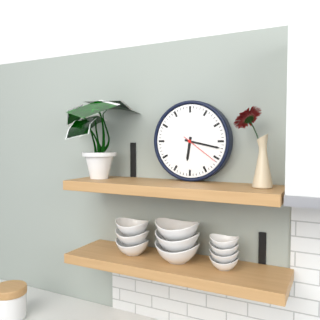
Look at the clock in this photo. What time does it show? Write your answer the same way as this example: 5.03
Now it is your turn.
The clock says 6.17
